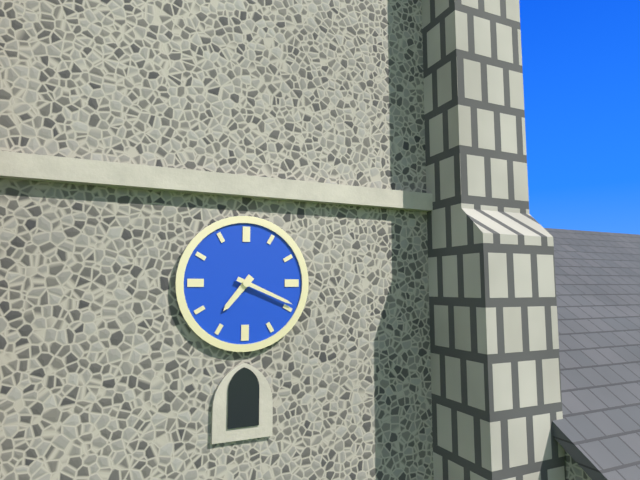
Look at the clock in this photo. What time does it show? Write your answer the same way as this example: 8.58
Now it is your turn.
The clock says 7.19
